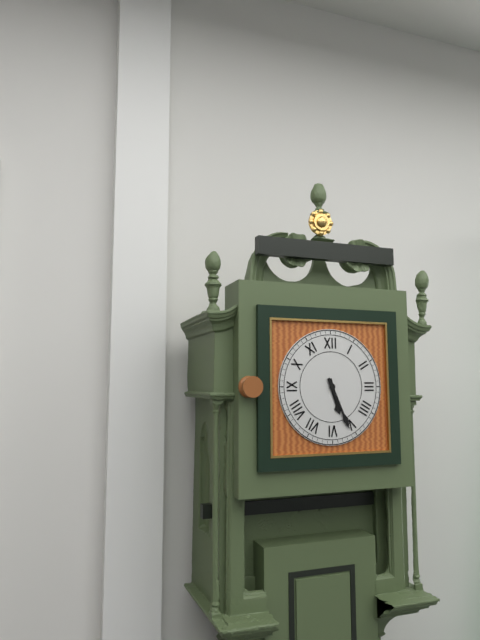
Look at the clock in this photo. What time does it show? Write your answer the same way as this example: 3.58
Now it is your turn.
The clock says 5.26
